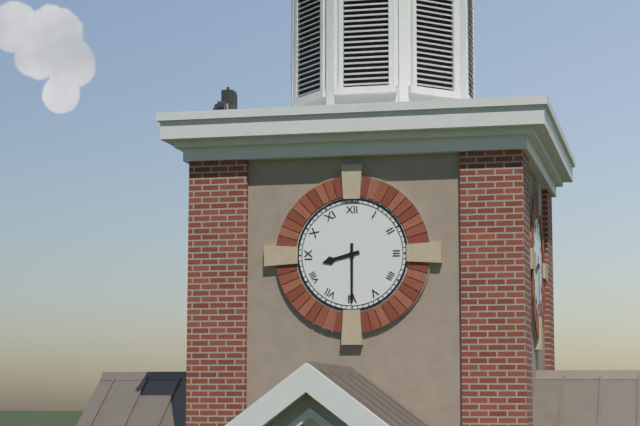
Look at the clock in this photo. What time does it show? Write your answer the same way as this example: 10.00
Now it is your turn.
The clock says 8.30
